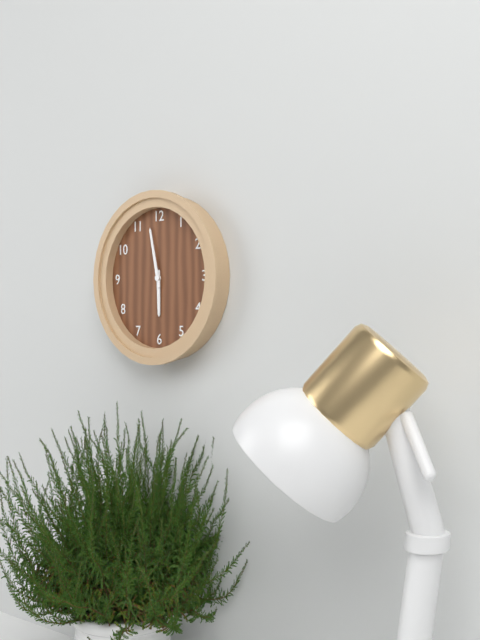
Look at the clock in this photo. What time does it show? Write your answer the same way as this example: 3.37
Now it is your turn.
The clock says 5.58
